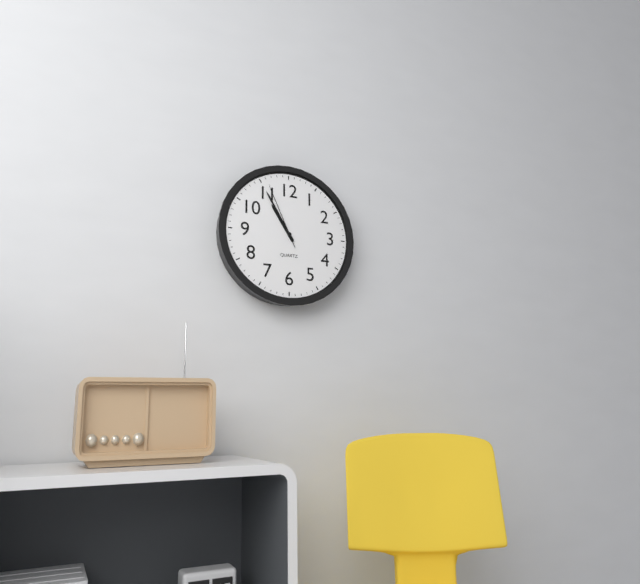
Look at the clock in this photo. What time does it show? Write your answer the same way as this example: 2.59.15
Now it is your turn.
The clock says 10.55.56
